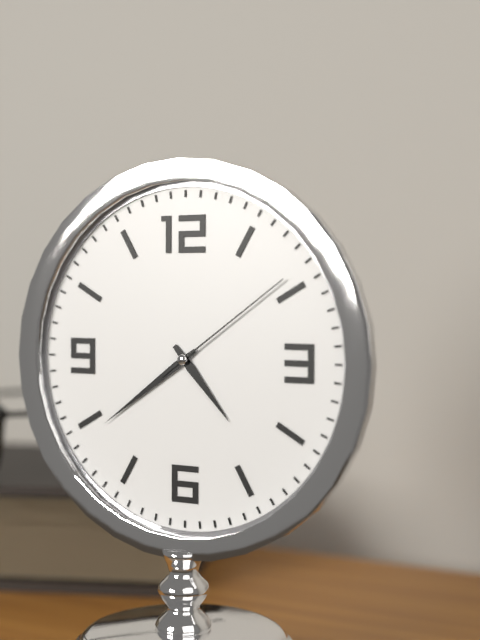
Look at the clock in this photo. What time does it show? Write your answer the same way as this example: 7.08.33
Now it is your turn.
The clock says 4.39.09
